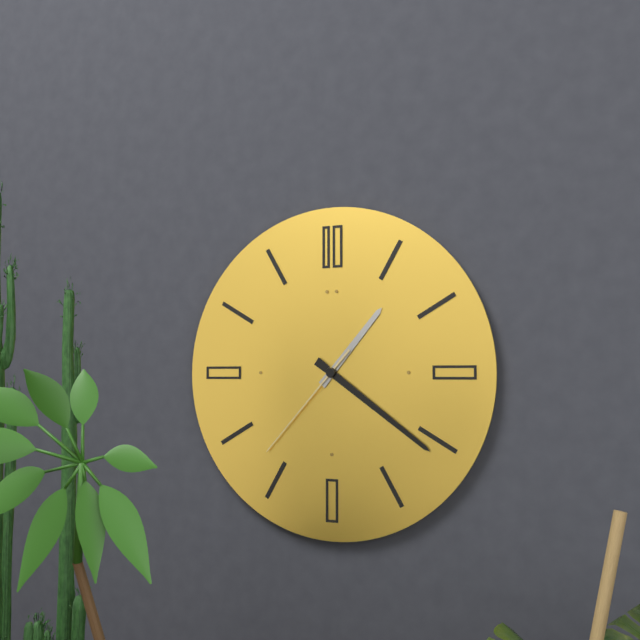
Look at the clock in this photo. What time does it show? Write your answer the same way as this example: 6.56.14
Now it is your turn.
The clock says 1.21.37
